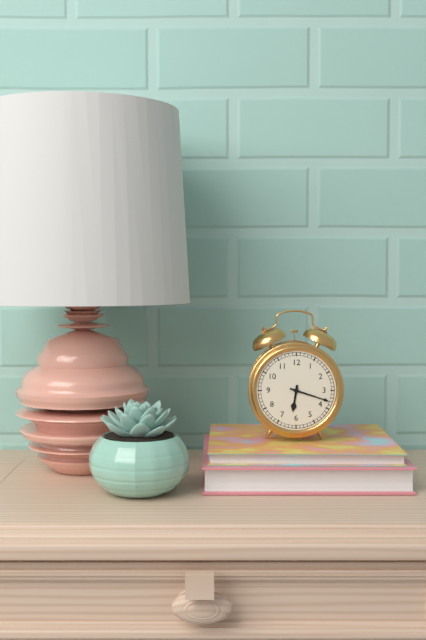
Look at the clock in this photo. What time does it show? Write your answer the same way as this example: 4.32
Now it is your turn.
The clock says 6.18
